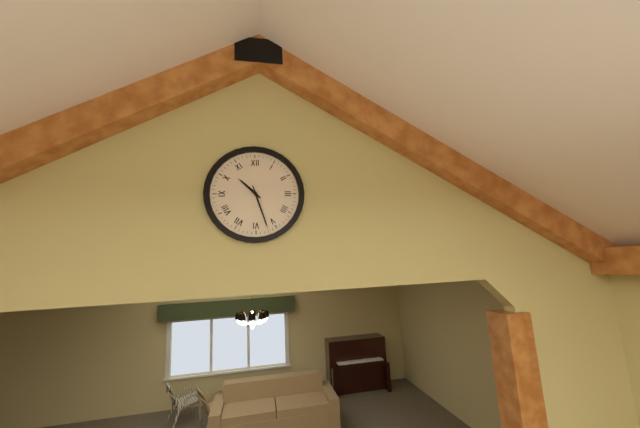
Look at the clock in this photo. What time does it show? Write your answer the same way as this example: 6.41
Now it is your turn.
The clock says 10.27
